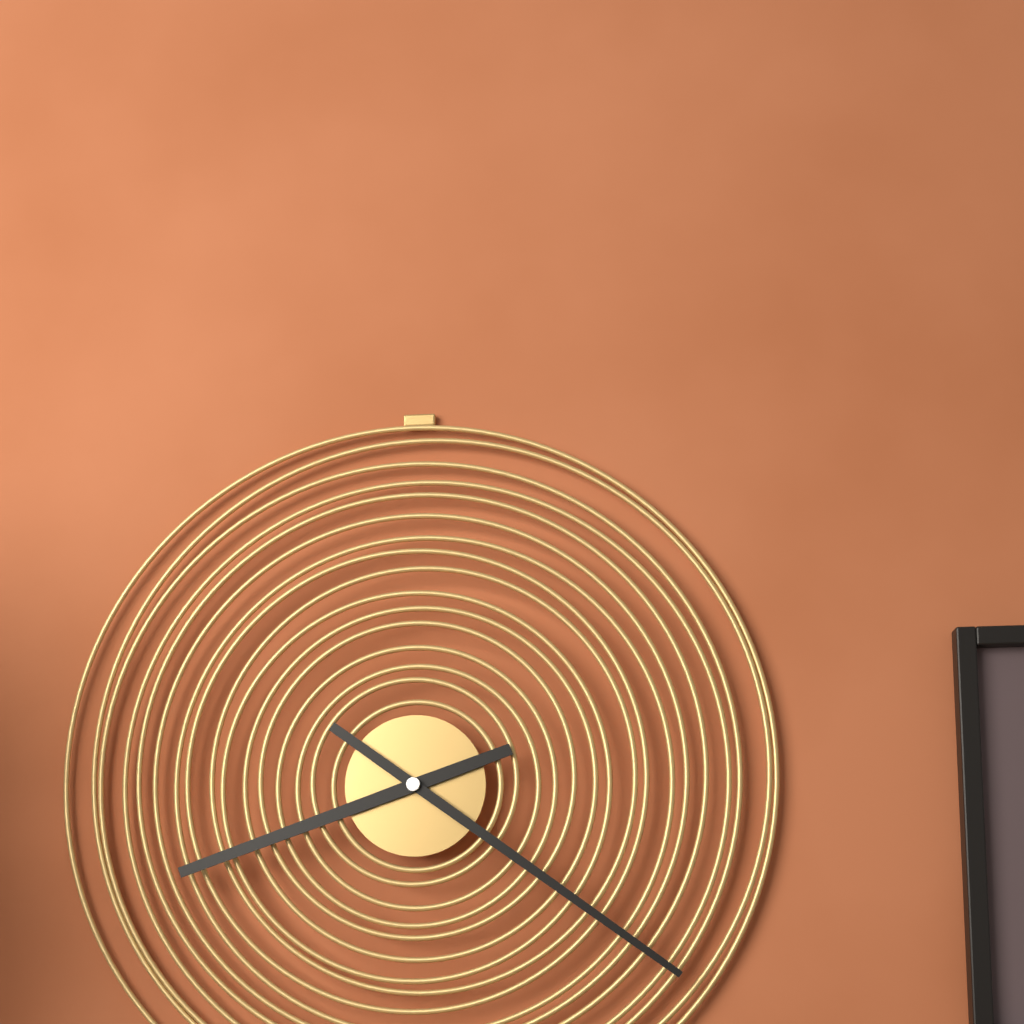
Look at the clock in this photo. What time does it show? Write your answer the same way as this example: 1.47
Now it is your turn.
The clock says 8.21
